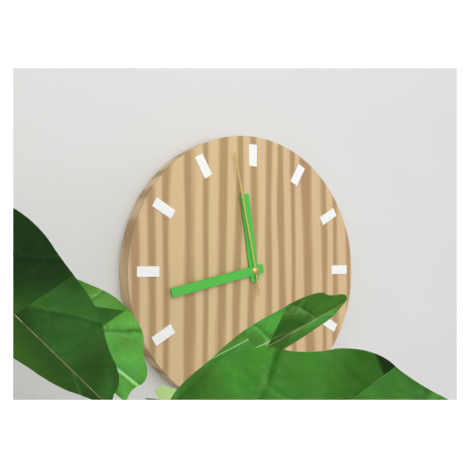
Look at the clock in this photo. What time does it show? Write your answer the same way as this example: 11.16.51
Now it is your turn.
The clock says 11.43.58
